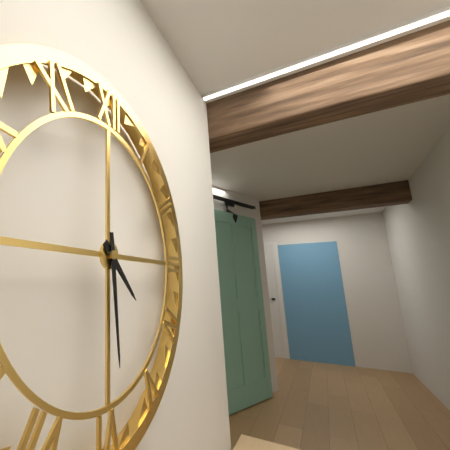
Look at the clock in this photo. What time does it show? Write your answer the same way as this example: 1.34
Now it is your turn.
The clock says 4.29
